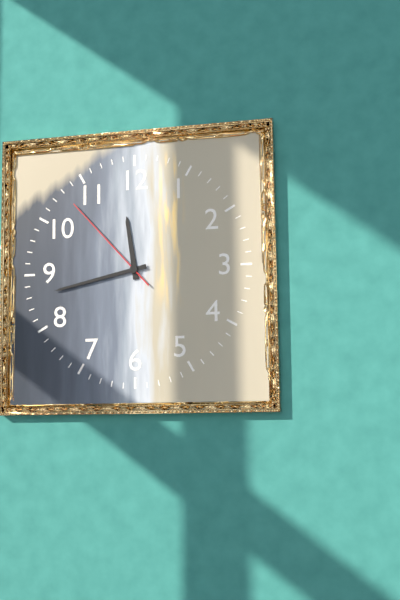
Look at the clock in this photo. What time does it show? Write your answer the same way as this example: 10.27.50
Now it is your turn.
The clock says 11.43.53
